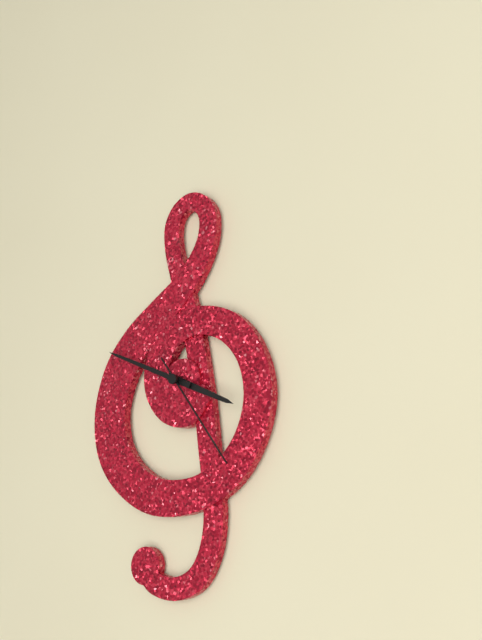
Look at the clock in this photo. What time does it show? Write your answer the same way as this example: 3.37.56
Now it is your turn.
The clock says 3.49.24
